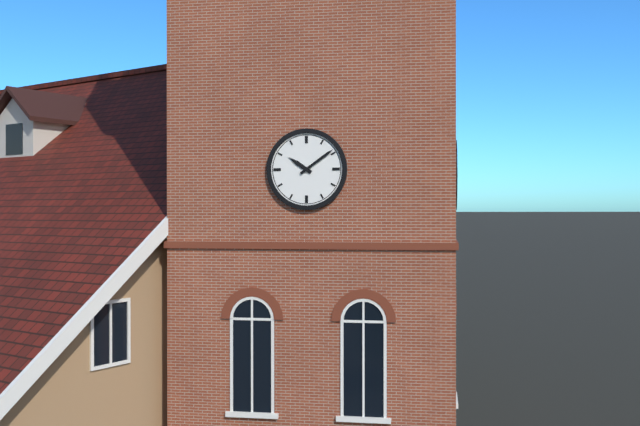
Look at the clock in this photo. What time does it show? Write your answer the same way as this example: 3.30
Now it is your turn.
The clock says 10.09
